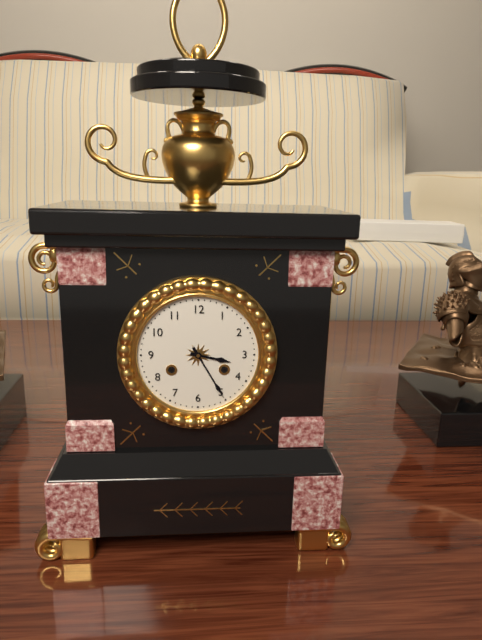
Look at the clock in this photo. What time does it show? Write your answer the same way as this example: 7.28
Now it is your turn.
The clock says 3.25
